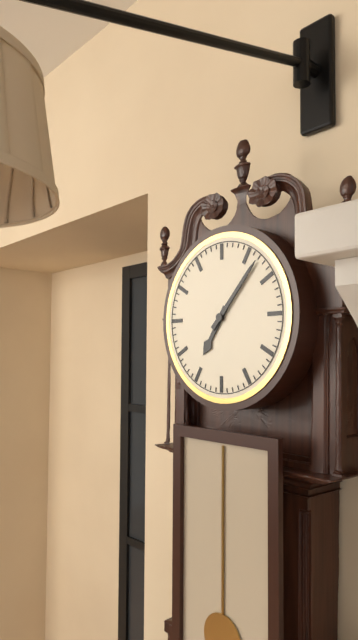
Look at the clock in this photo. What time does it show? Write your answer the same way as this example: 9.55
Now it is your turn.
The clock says 7.07
